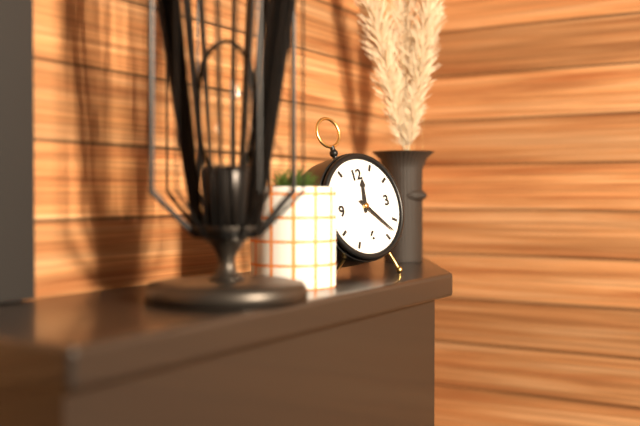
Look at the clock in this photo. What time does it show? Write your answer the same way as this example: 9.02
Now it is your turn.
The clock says 12.23
